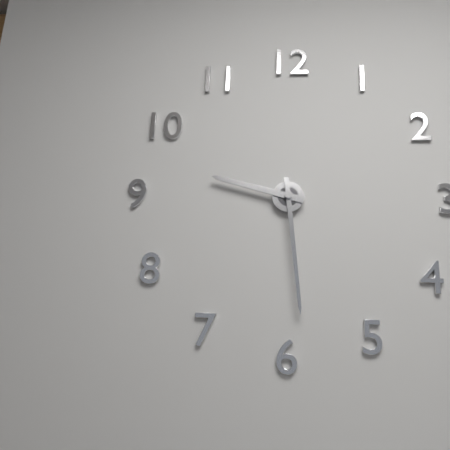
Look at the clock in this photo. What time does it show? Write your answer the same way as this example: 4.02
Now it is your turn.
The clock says 9.29
